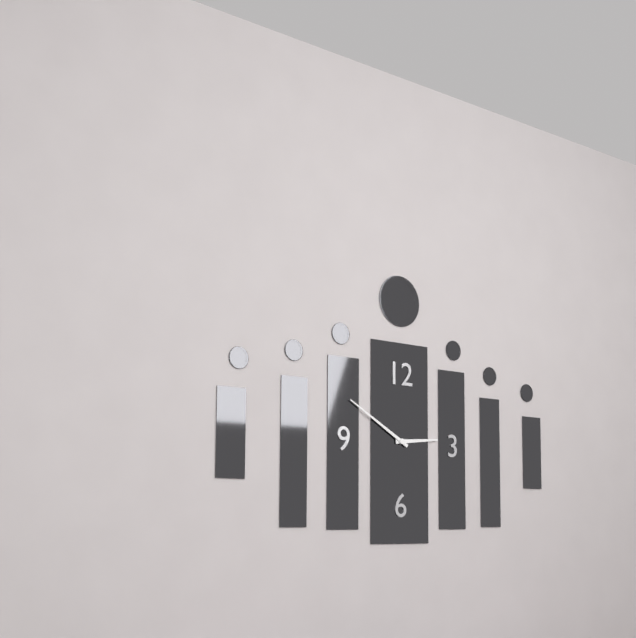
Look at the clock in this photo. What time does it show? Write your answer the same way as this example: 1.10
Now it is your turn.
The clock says 2.50
